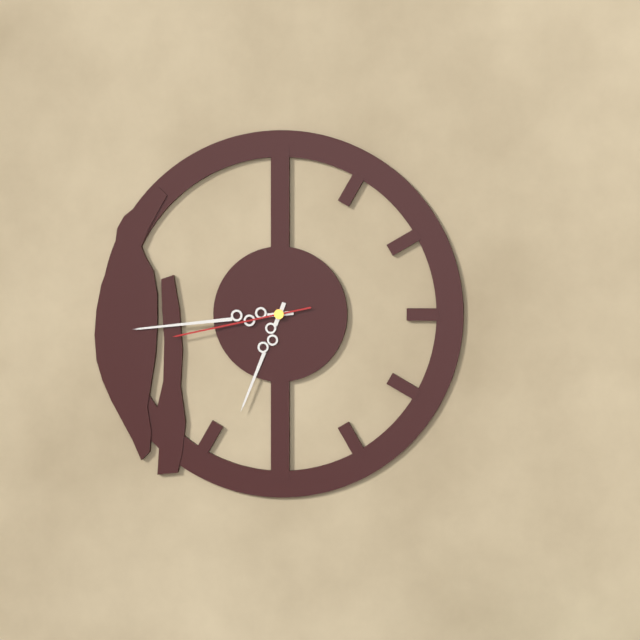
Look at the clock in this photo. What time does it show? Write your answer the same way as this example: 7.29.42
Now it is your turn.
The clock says 6.44.43
